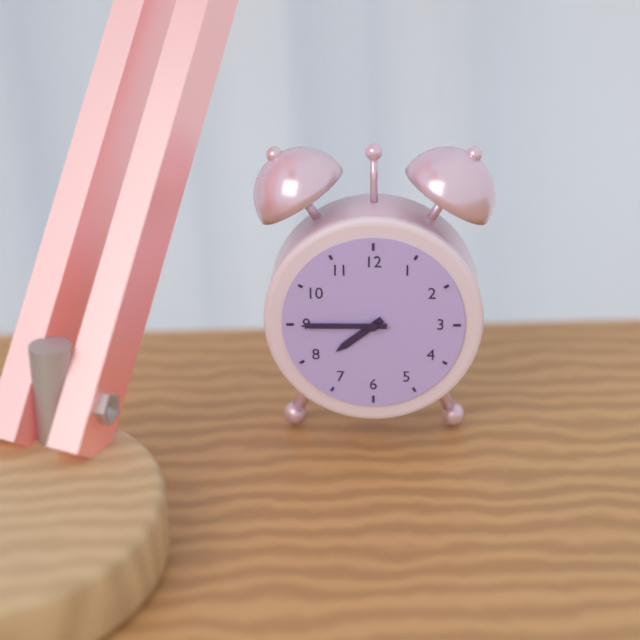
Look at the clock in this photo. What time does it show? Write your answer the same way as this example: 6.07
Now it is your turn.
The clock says 7.45
